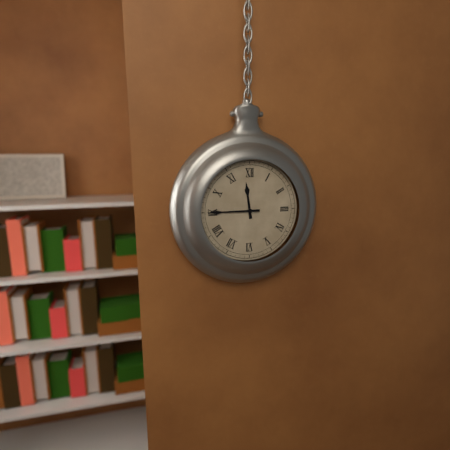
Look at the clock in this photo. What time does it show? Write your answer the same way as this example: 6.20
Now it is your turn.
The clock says 11.45
